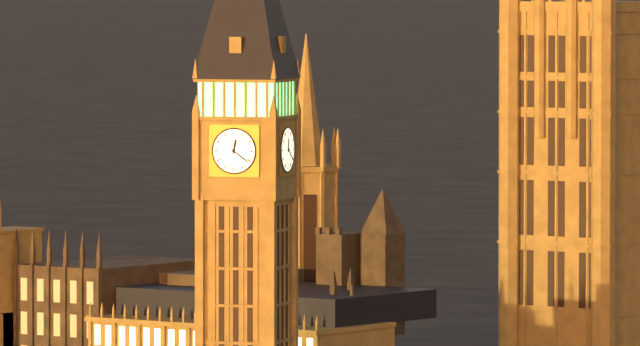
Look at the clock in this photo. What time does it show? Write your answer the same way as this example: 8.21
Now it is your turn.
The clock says 12.21
